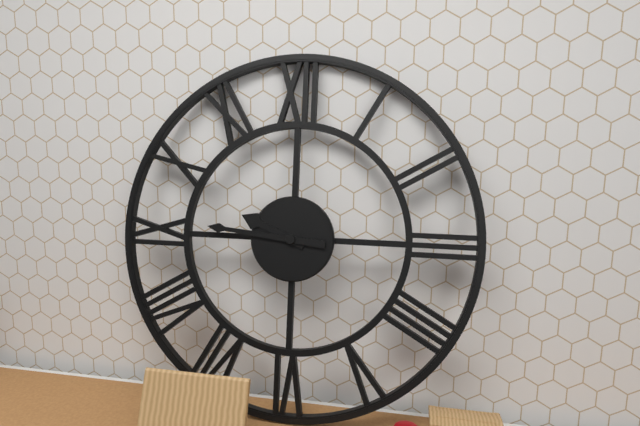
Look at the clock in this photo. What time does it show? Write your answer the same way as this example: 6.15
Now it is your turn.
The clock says 9.46
